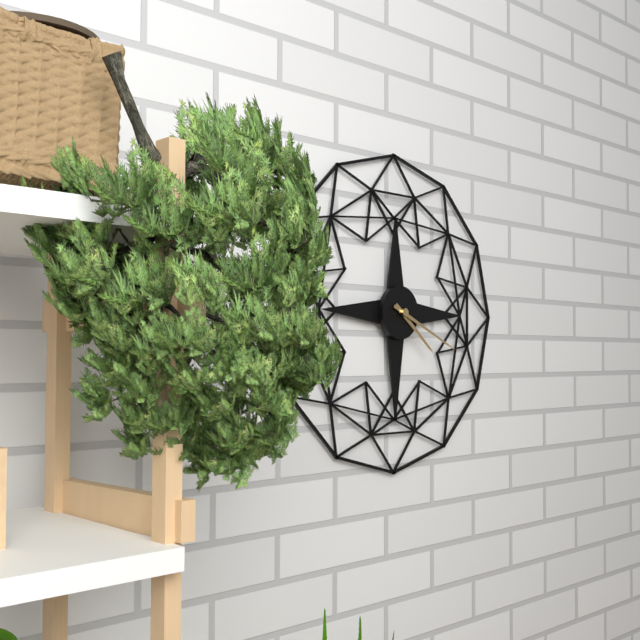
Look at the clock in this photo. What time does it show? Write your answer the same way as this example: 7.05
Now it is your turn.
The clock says 4.19
